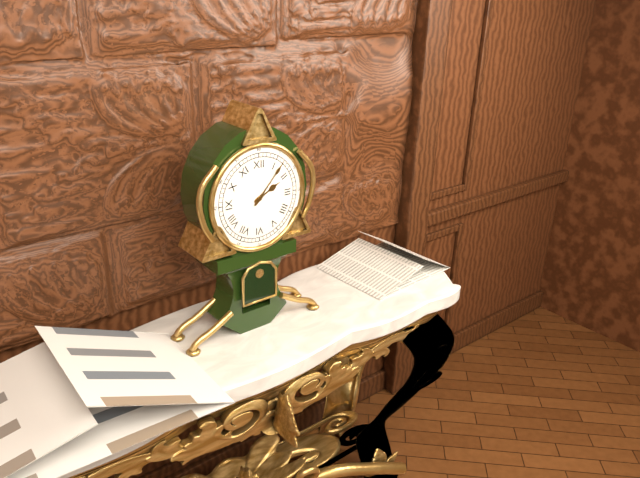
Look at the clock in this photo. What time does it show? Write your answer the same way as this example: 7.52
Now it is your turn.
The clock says 2.07
